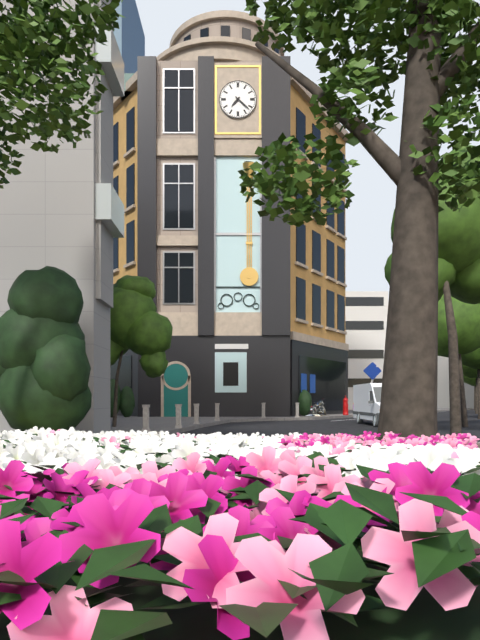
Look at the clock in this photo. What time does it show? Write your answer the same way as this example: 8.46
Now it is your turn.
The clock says 7.22
